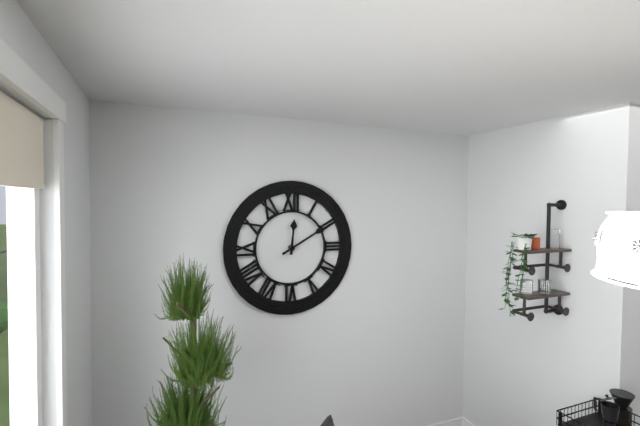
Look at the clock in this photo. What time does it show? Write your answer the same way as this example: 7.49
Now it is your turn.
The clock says 12.10
